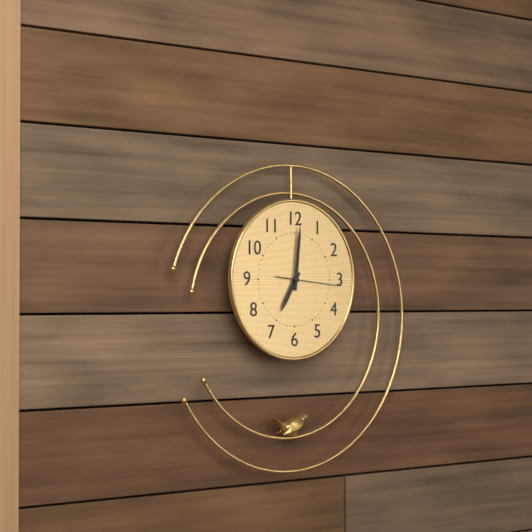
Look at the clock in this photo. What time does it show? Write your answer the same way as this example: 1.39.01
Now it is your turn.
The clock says 7.01.16
